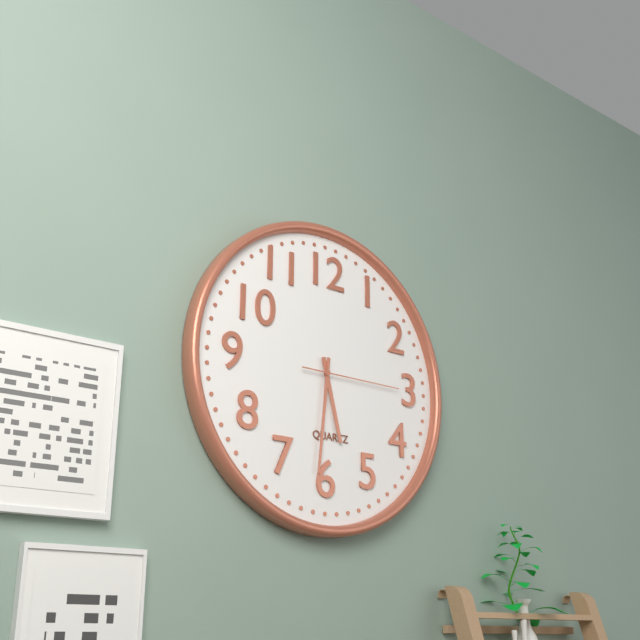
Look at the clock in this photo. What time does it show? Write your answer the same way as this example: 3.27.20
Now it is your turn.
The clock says 5.31.15
